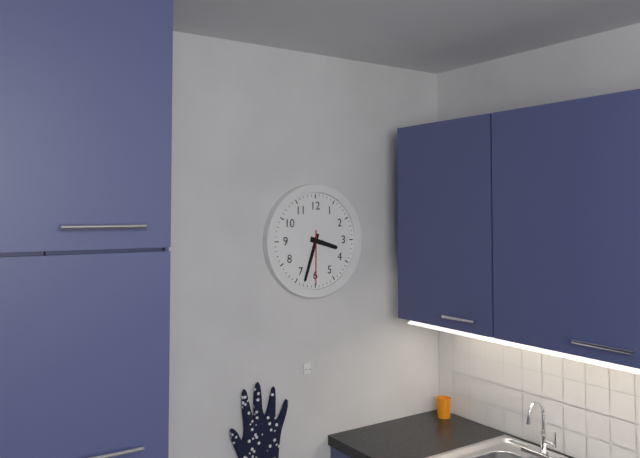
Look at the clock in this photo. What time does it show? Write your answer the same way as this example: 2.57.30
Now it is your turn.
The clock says 3.33.30
